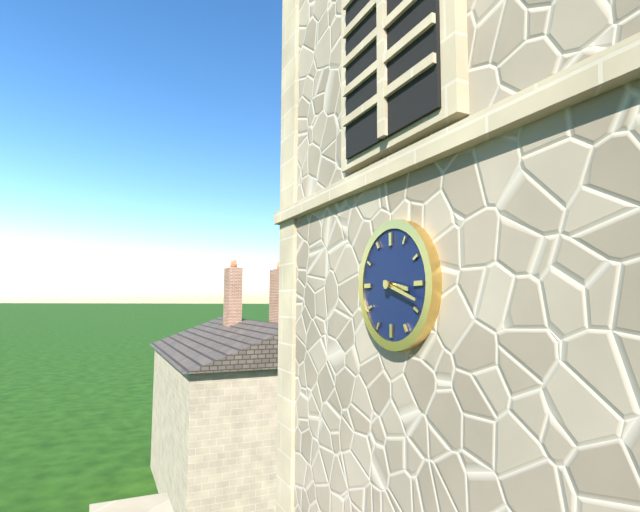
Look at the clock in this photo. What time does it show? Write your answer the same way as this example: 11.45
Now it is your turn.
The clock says 3.18
